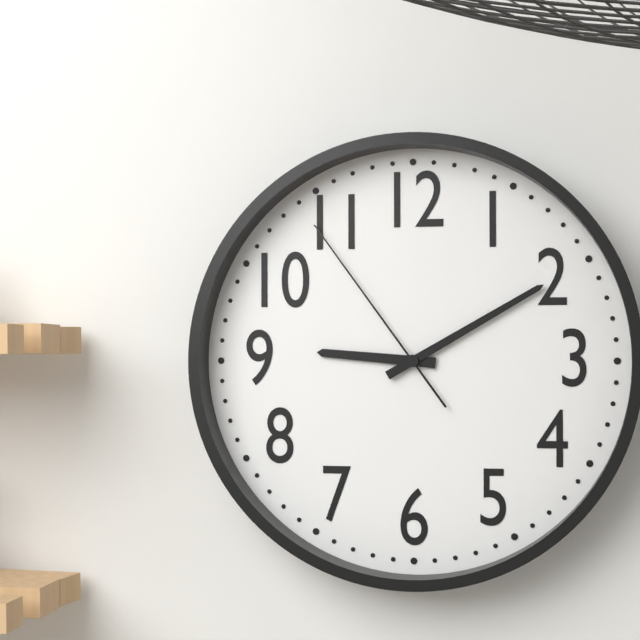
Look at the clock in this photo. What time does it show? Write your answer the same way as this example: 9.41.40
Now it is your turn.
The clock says 9.10.54
